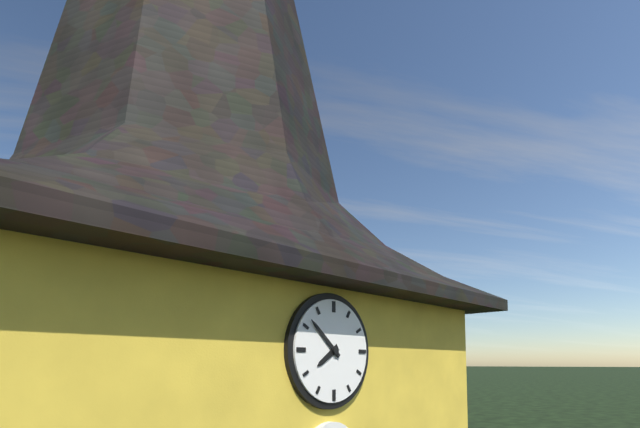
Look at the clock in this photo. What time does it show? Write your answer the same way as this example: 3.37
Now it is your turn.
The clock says 7.52
